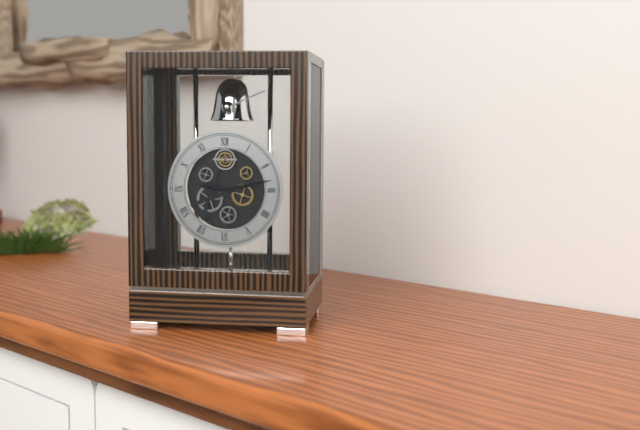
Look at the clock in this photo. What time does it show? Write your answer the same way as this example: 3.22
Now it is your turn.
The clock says 9.13
